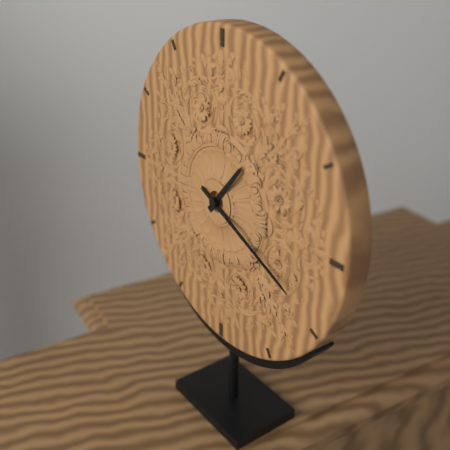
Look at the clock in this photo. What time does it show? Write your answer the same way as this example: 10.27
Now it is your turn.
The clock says 1.19
